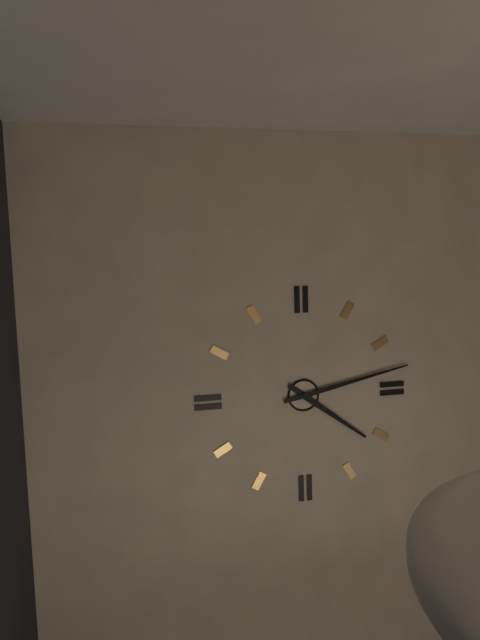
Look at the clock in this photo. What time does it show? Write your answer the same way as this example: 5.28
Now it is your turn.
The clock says 4.13
